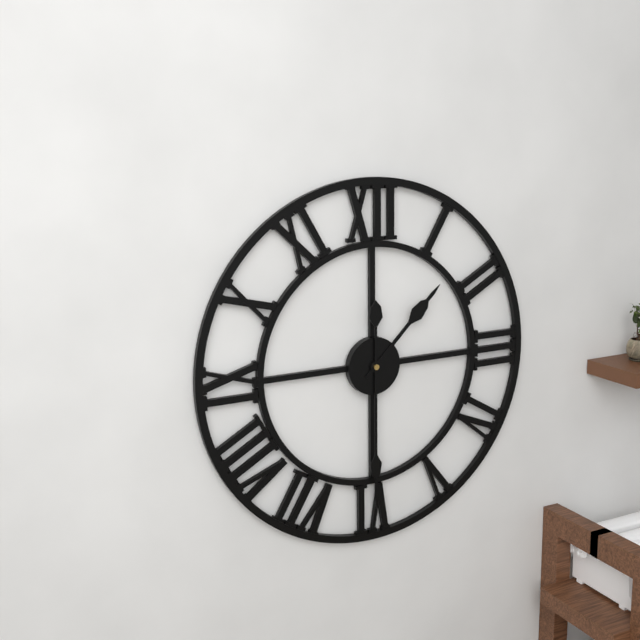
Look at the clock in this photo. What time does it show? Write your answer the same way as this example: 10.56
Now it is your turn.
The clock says 1.30
